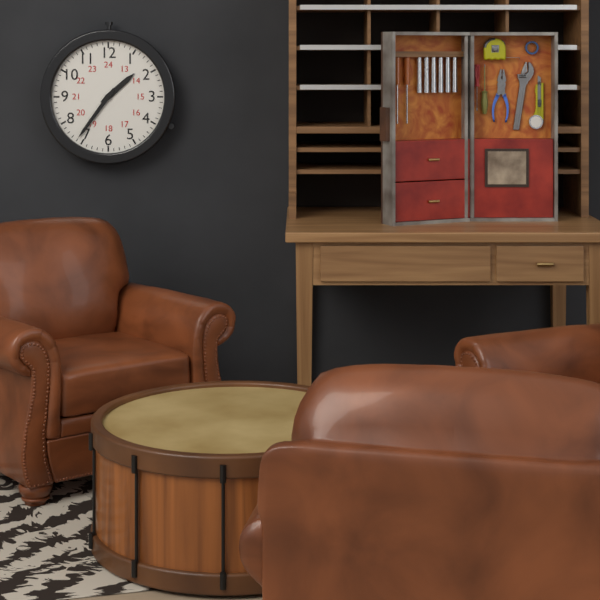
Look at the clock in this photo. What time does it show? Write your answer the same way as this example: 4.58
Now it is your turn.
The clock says 1.36
